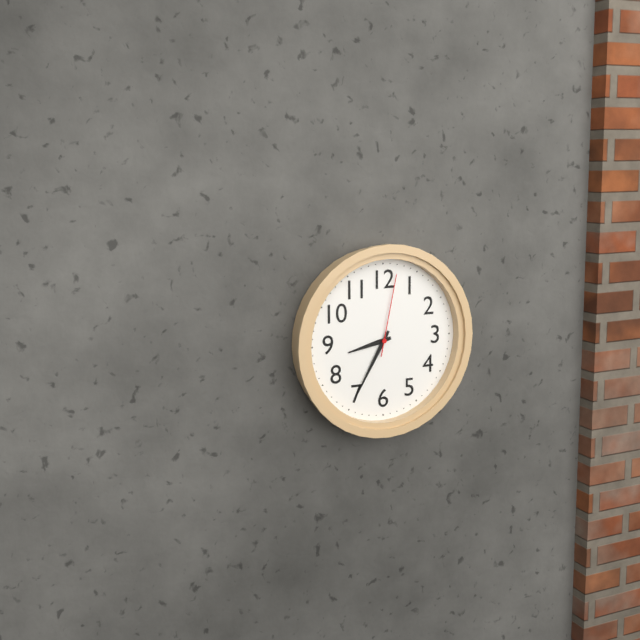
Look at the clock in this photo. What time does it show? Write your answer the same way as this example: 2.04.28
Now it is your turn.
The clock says 8.35.02
